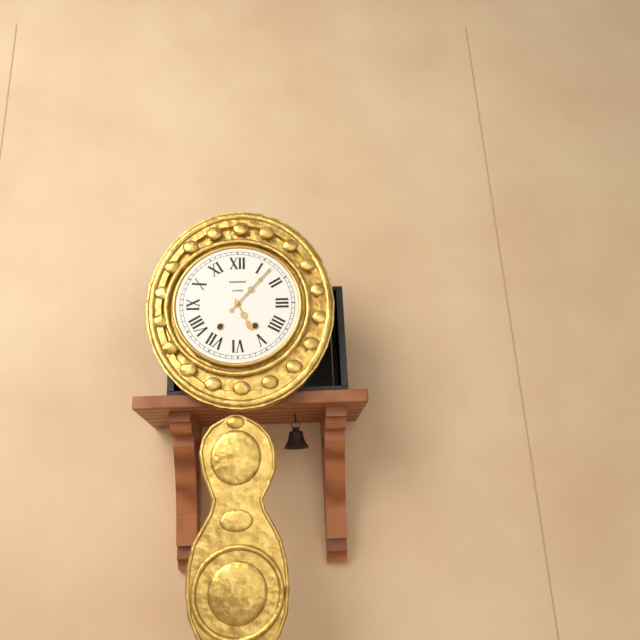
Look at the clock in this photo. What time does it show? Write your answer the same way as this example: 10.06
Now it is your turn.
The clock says 5.07
